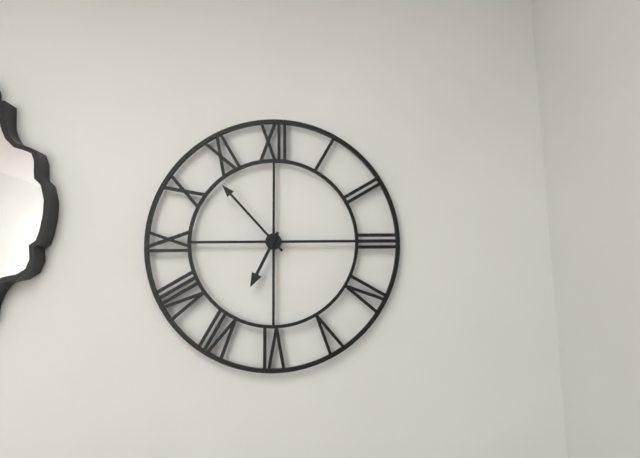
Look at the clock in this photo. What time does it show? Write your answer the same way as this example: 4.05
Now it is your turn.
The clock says 6.53
